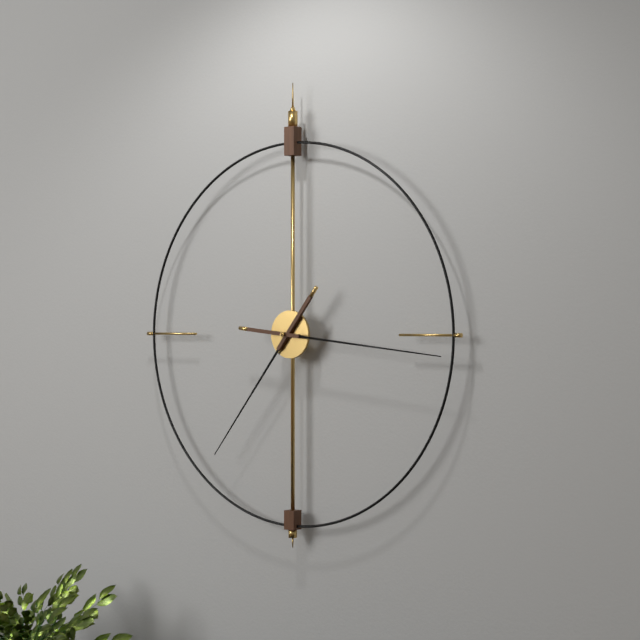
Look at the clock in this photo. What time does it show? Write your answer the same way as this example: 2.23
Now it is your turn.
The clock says 7.16
